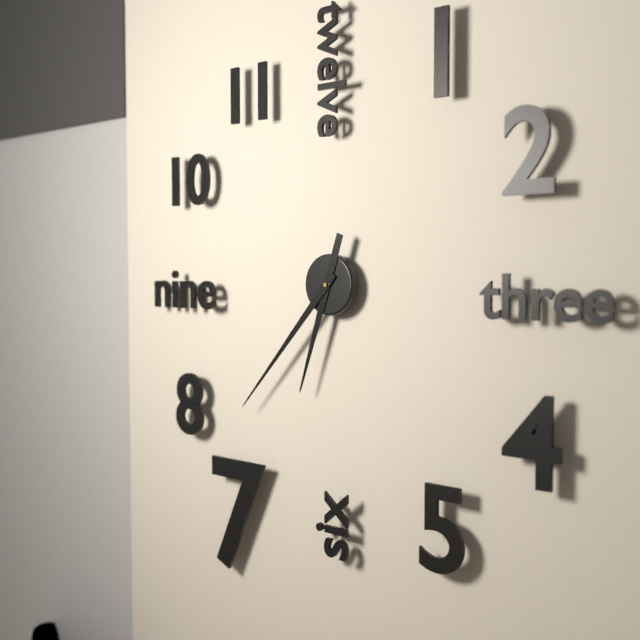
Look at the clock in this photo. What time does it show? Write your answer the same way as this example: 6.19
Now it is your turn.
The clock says 6.37
